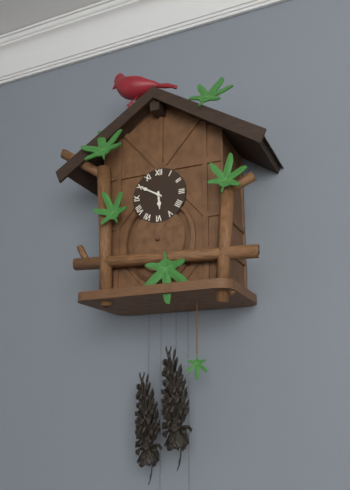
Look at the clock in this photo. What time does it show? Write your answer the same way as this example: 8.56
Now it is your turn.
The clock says 5.50
